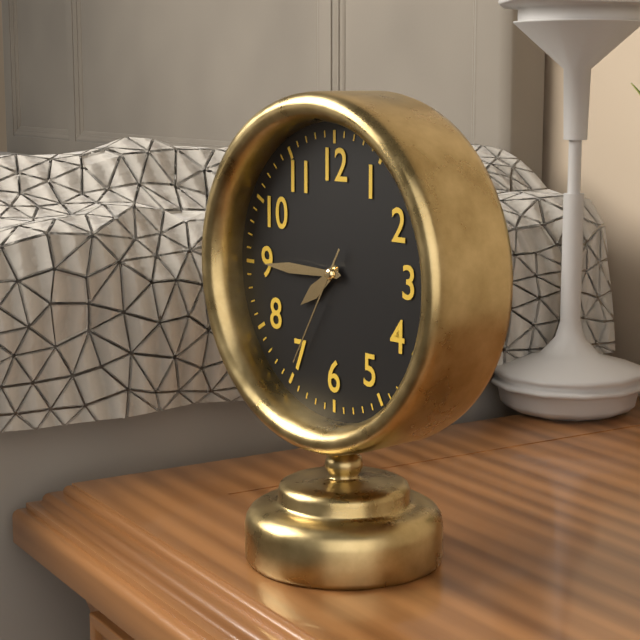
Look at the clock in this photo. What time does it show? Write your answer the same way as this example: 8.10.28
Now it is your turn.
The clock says 7.45.35
